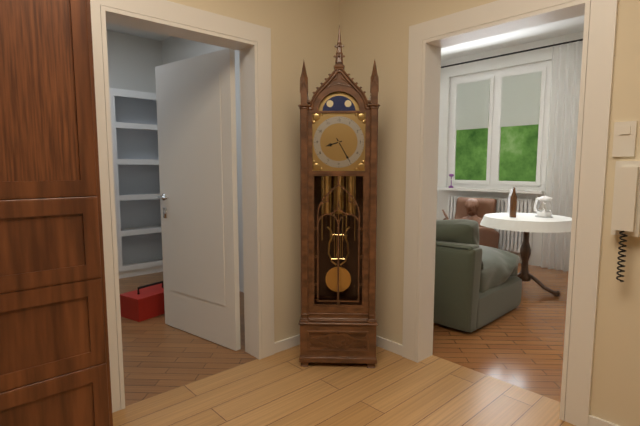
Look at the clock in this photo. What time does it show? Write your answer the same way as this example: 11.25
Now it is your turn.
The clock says 8.25
